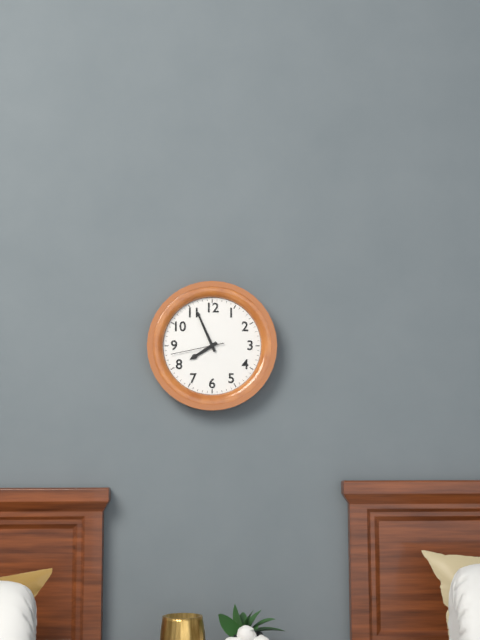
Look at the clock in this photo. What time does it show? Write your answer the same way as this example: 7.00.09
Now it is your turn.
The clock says 7.56.43
